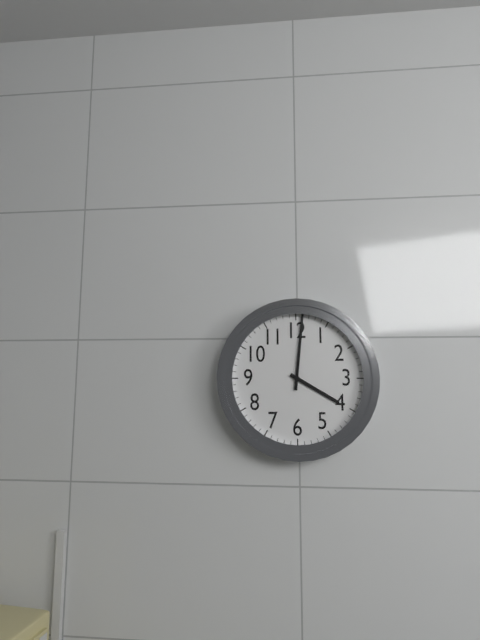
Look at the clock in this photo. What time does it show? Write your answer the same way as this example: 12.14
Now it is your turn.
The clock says 4.01
